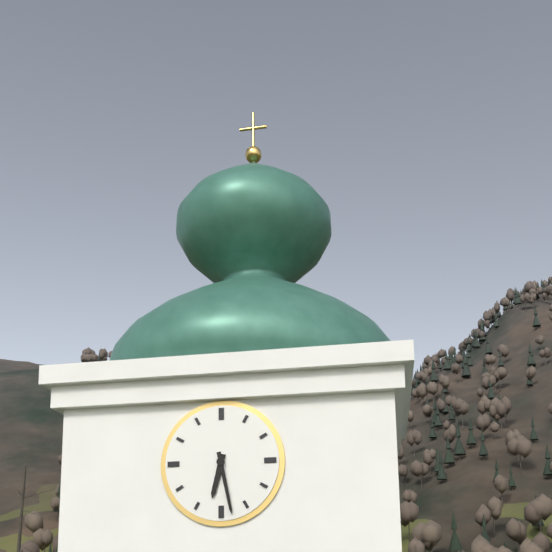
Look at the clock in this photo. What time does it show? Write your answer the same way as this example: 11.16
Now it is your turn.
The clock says 6.28
